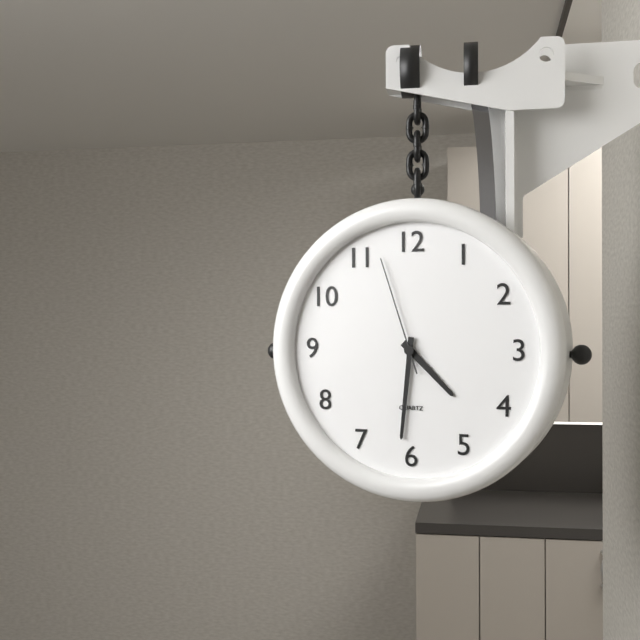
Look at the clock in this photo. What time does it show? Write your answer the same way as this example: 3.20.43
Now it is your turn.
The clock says 4.31.57
